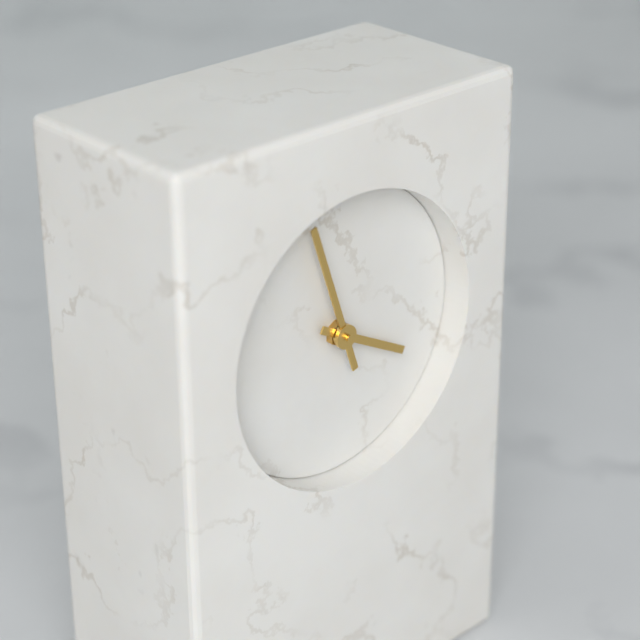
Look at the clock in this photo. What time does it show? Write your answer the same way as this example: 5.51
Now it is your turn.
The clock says 3.57
